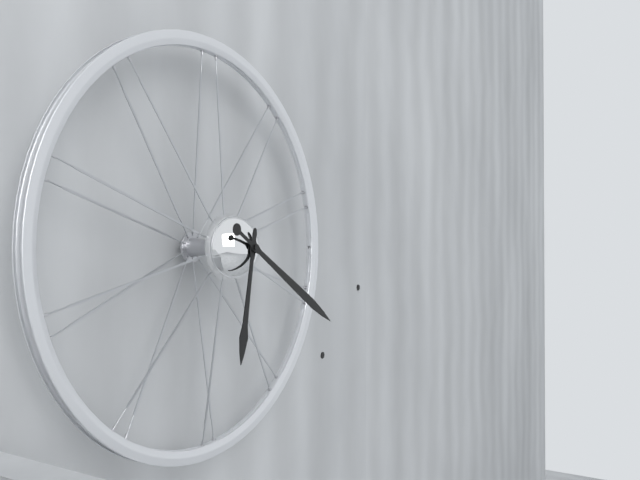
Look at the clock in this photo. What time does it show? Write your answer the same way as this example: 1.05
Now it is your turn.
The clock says 6.20
